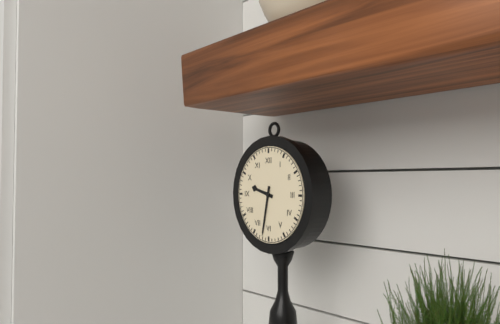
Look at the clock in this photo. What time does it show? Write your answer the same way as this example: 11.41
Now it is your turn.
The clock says 9.32
